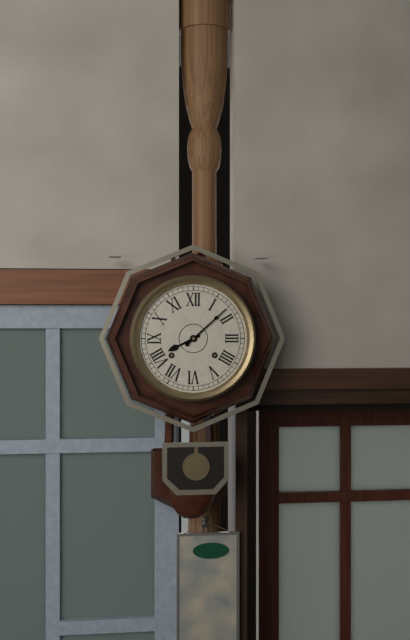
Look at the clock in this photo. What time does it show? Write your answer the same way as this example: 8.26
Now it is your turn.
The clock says 8.08
